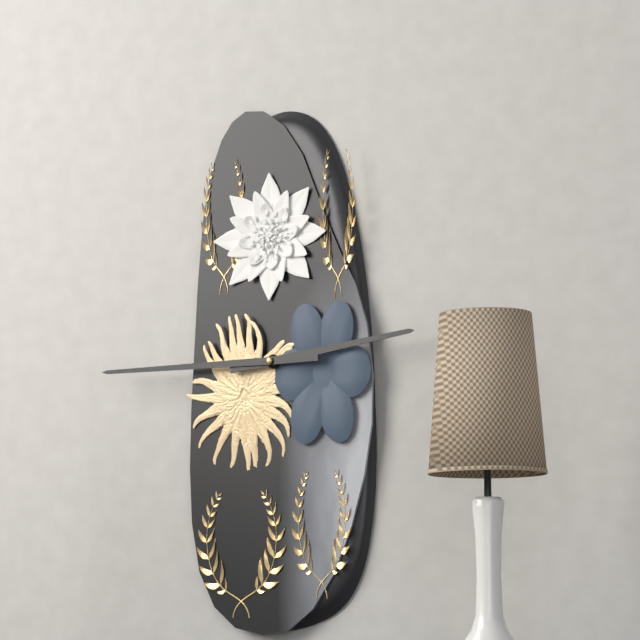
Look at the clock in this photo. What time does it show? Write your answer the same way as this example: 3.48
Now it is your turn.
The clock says 2.45
